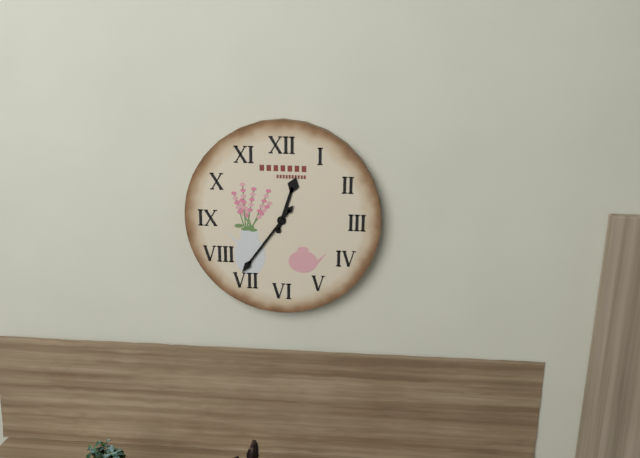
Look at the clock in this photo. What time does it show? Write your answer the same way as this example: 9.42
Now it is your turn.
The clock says 12.36
